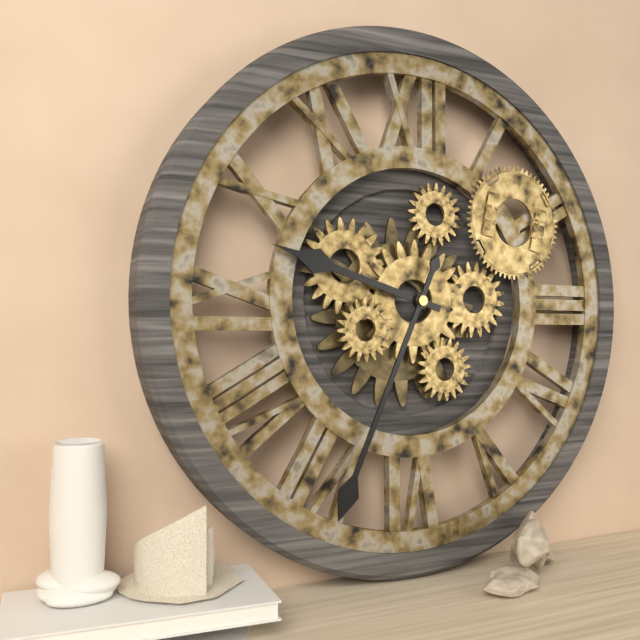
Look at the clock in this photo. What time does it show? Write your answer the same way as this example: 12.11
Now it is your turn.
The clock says 9.34
